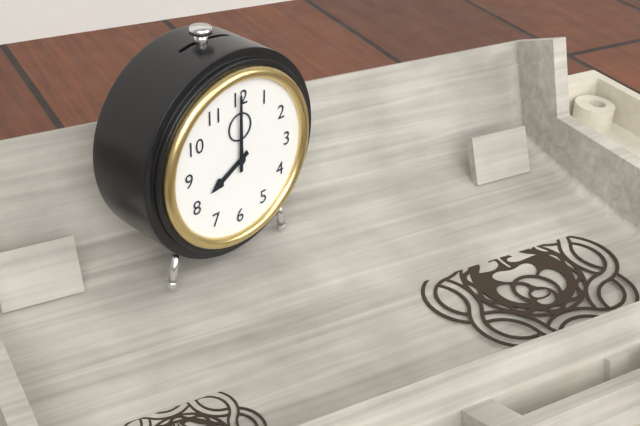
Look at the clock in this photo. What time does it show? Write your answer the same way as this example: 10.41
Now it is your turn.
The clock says 8.00
